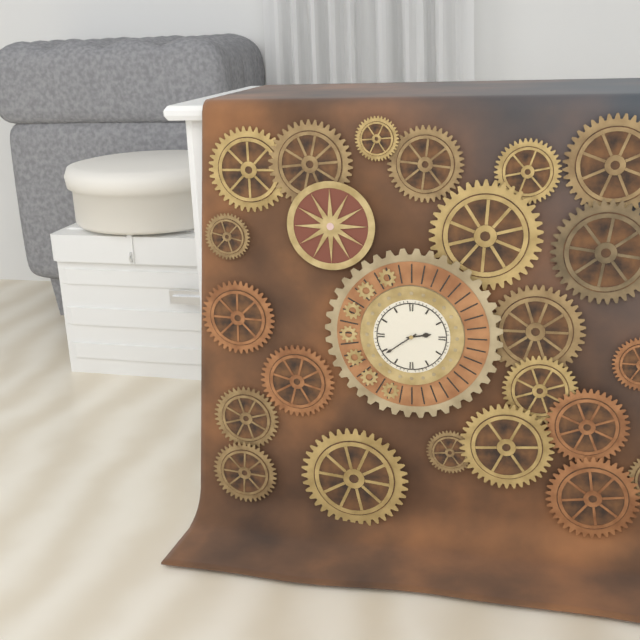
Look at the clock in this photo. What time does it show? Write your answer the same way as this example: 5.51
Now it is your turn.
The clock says 2.39
